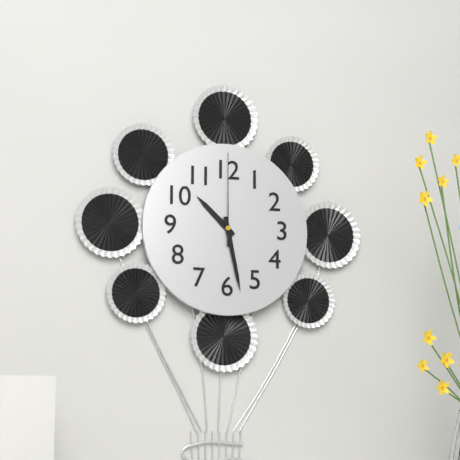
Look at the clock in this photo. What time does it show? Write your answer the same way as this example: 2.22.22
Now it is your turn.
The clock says 10.28.00
